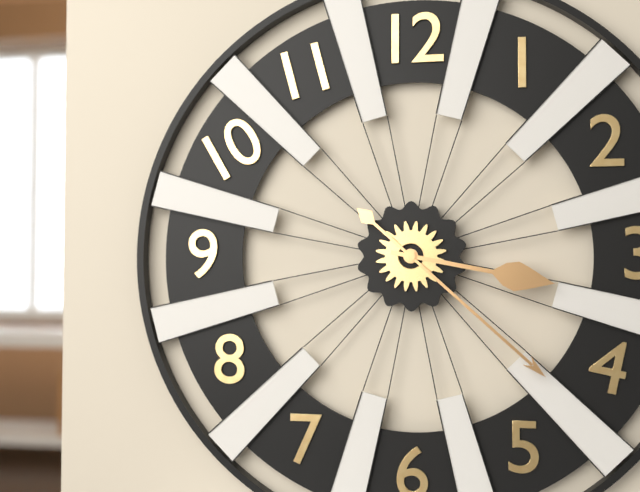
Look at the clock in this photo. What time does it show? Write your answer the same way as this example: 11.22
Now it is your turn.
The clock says 3.22
